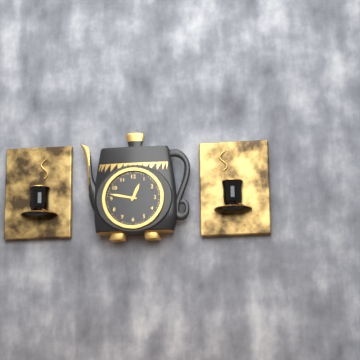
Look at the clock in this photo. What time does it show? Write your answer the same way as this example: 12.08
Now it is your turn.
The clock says 12.47
